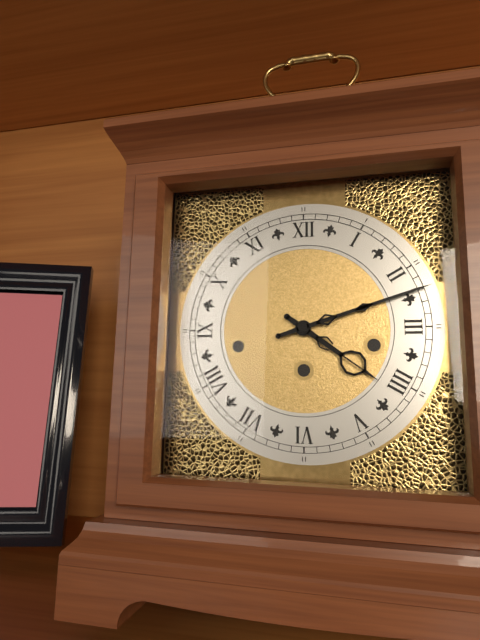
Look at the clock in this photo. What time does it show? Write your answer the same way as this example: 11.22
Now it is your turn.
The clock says 4.12
